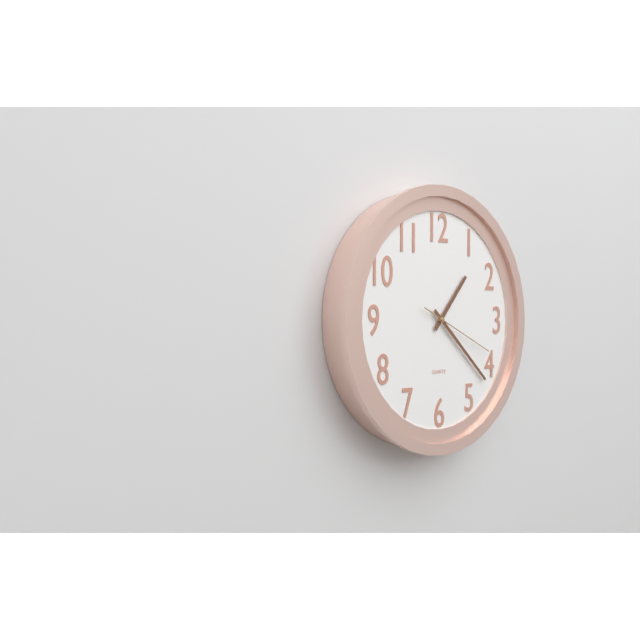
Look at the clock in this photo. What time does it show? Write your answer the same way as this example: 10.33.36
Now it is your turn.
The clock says 1.22.19
